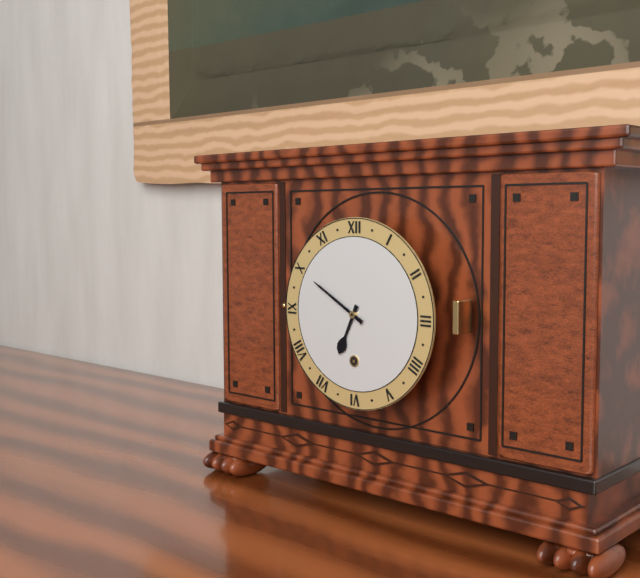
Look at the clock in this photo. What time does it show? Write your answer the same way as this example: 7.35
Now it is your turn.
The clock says 6.50
